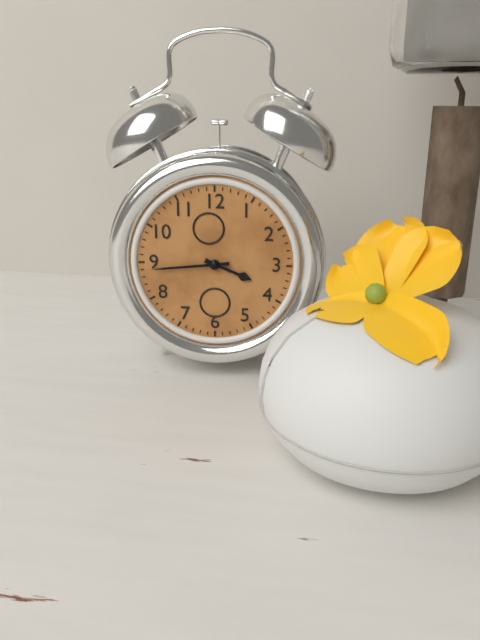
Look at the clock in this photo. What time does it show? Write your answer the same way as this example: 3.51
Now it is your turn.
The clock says 3.44
